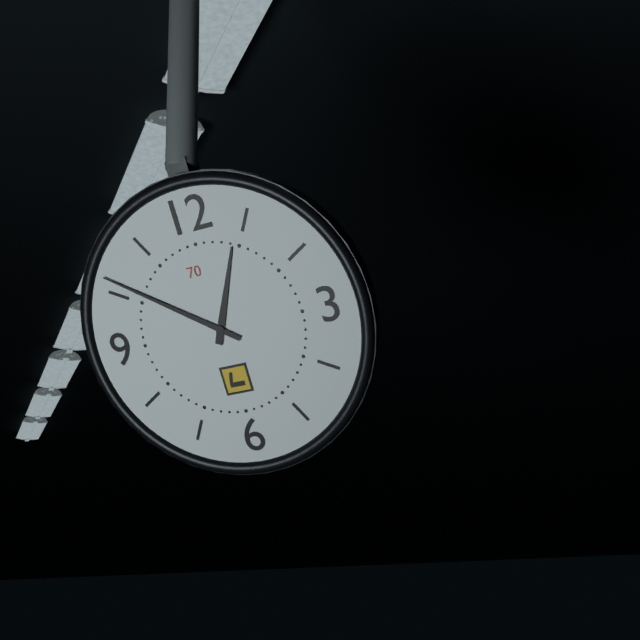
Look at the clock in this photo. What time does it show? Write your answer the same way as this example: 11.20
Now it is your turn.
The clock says 12.51
